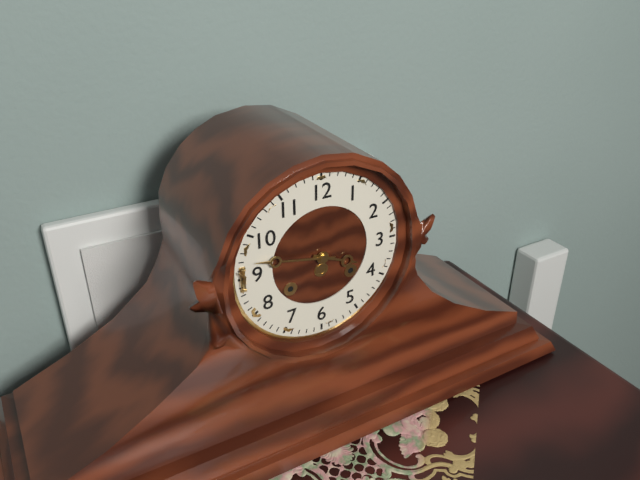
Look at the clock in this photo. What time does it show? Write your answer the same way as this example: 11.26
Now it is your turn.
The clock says 3.47
